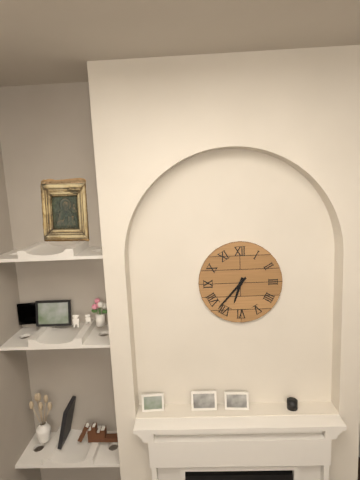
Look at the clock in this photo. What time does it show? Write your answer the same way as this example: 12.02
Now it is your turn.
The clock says 6.37
